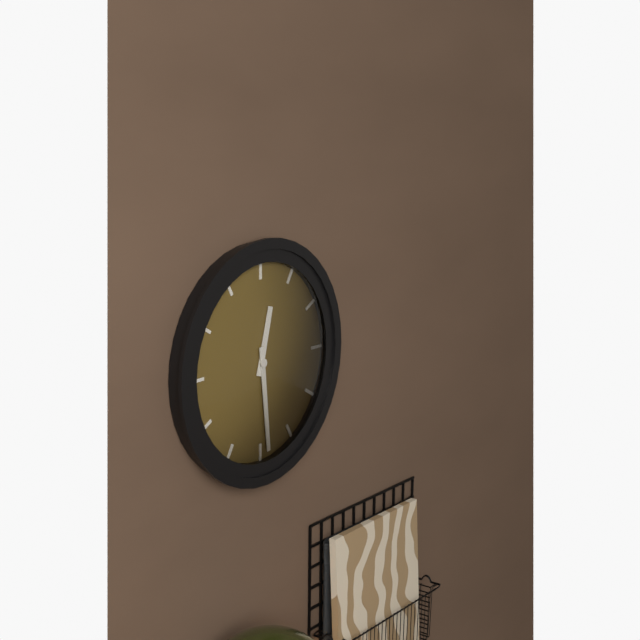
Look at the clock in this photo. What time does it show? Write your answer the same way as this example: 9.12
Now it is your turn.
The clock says 12.29
